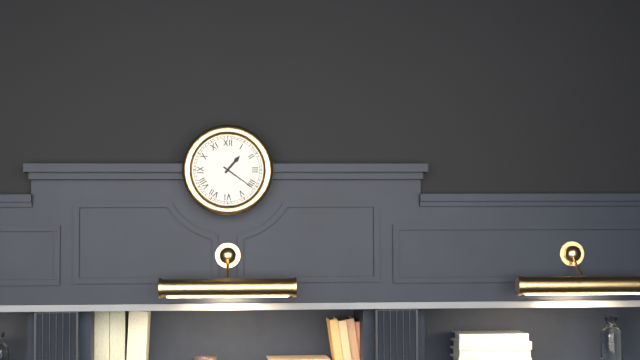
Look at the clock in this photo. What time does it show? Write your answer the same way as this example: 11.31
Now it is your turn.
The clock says 1.21
